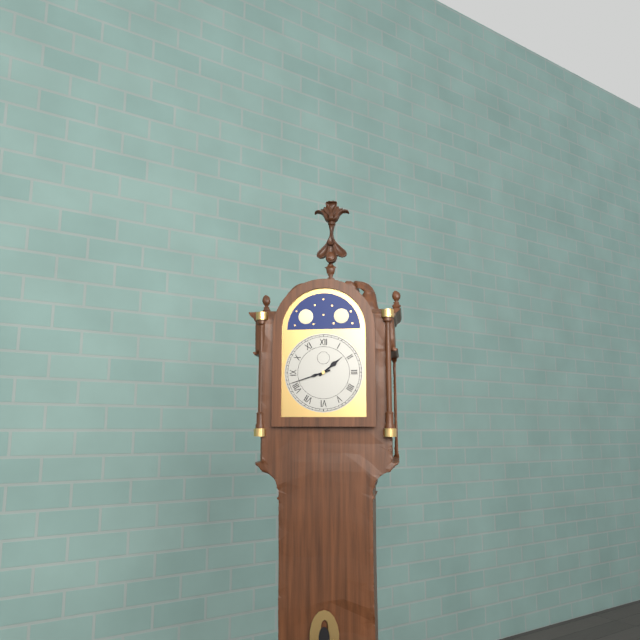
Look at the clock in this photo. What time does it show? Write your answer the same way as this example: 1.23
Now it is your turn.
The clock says 1.42
